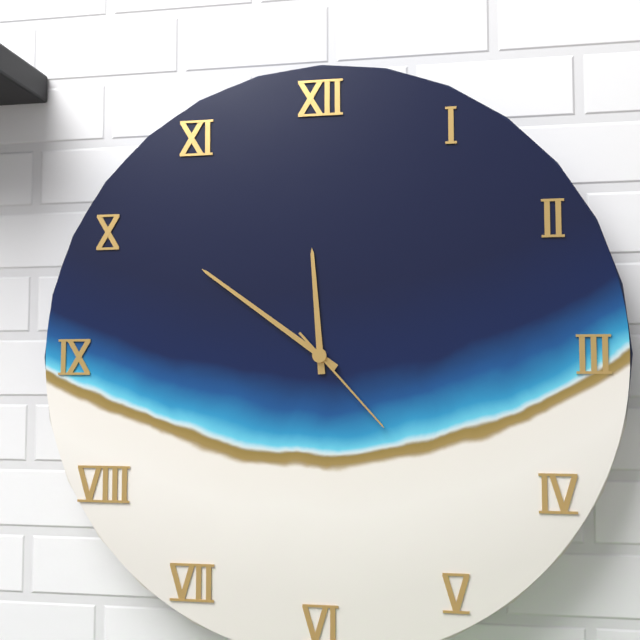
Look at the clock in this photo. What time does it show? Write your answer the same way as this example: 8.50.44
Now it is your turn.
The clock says 11.51.23
